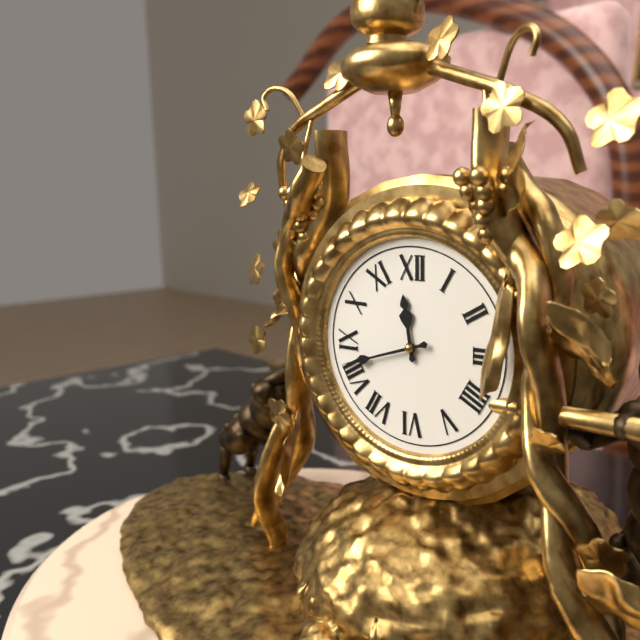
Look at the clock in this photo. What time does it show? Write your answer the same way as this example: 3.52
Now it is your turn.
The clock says 11.42
